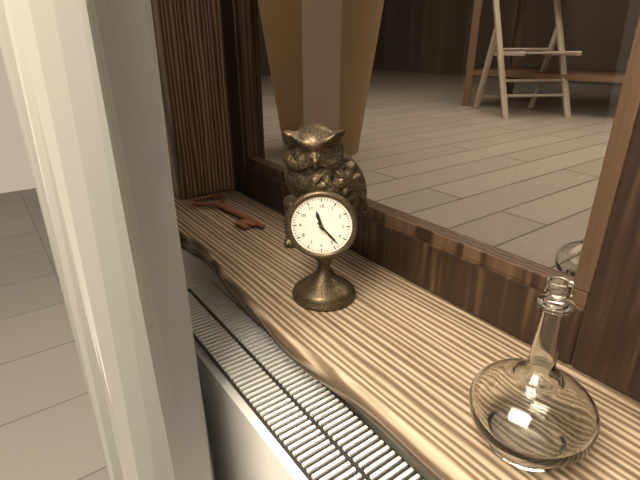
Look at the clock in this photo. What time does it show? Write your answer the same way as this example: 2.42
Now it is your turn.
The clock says 11.23
